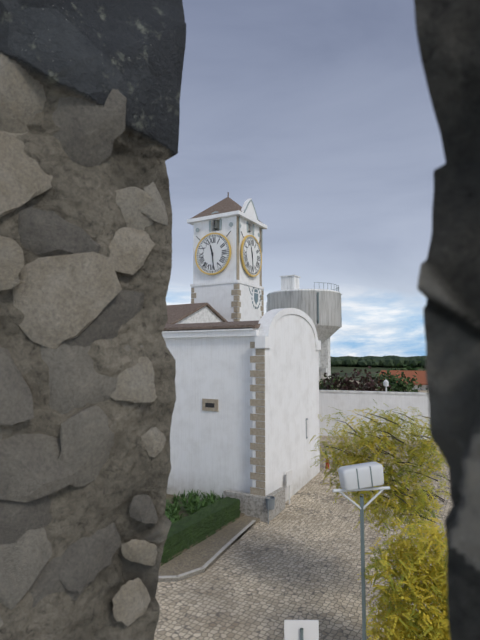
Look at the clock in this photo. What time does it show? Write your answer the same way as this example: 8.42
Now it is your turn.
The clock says 11.29
